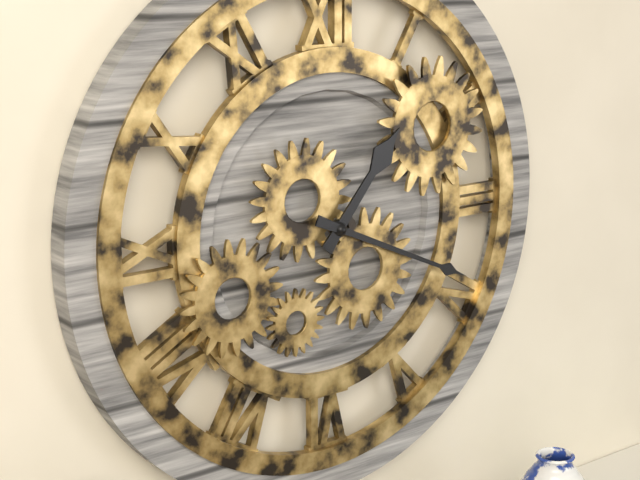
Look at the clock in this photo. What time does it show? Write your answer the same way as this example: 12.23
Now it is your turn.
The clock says 1.19
